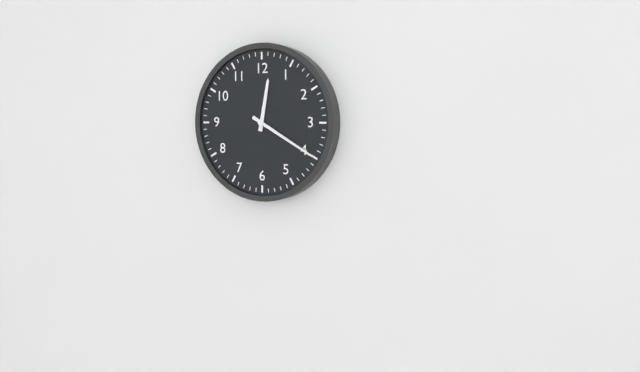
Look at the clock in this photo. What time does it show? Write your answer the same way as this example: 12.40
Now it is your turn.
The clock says 12.20
